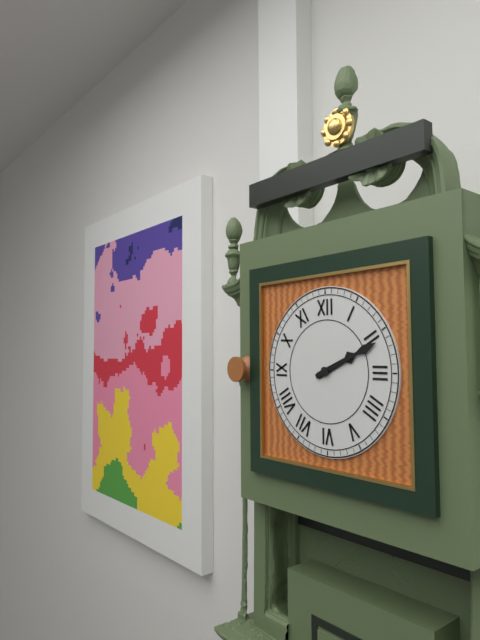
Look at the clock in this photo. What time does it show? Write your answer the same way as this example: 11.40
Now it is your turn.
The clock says 2.11
